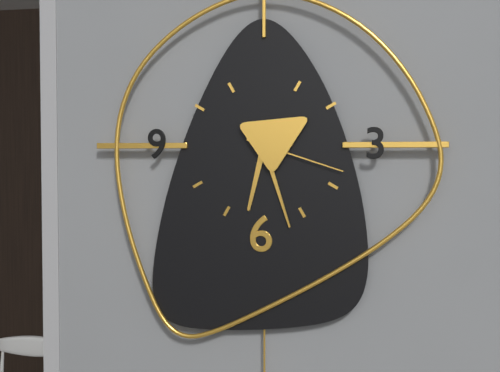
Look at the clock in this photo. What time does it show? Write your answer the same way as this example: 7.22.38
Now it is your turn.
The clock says 6.27.18
